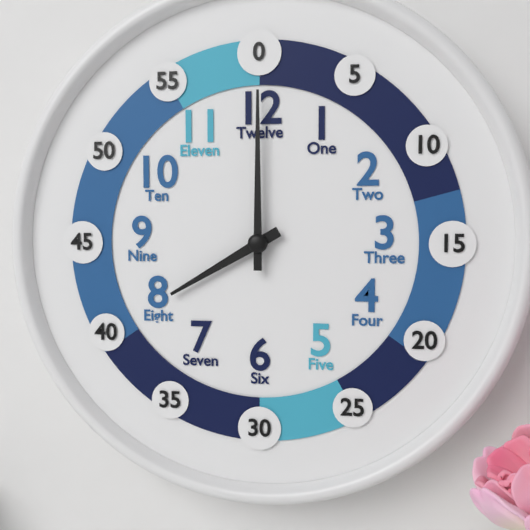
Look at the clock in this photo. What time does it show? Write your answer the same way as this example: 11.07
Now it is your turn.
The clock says 8.00
